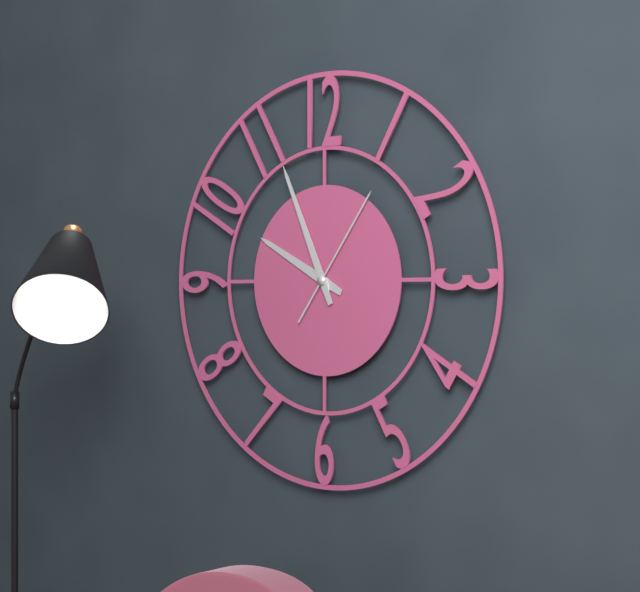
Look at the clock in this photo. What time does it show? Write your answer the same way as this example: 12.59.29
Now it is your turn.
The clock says 9.56.06
